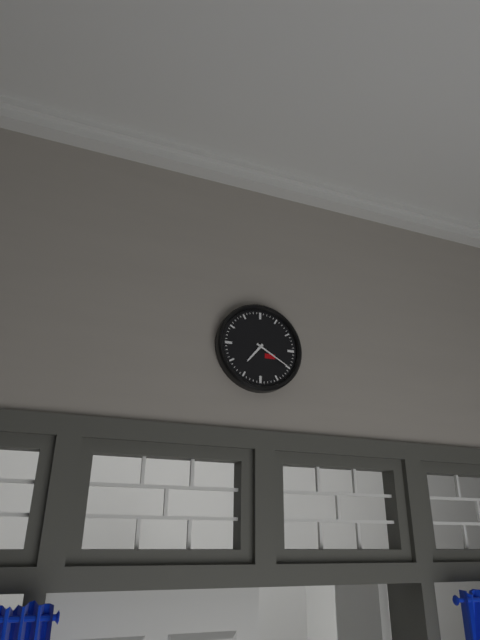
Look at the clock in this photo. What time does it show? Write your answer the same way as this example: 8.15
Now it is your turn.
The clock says 7.20
